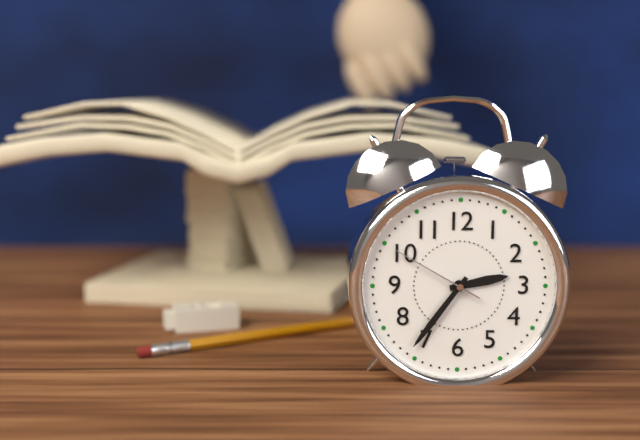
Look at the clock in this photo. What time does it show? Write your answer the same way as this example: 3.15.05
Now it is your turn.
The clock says 2.36.50
